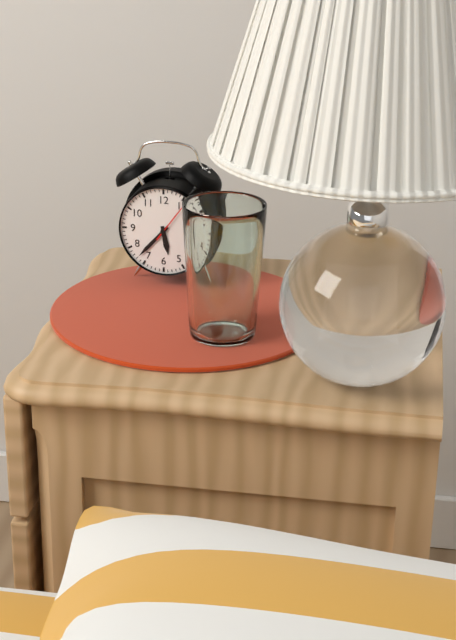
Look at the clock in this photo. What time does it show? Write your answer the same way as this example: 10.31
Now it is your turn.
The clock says 5.37
